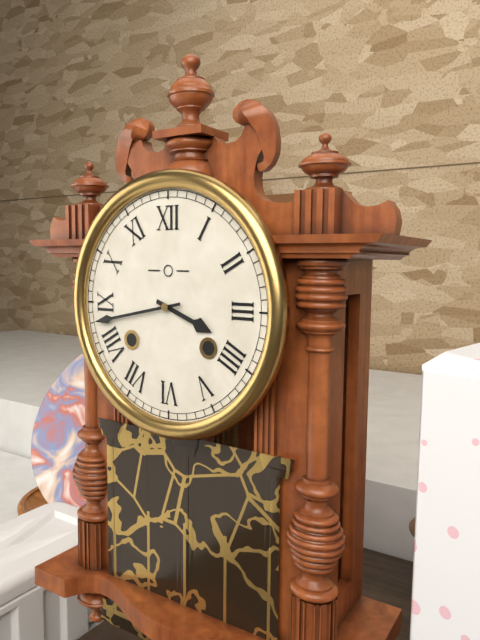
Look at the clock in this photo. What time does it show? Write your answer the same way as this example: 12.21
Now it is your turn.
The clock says 3.43
